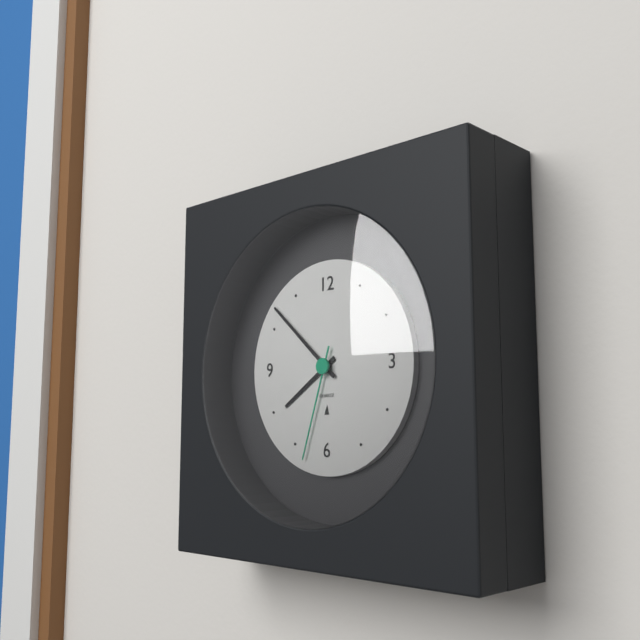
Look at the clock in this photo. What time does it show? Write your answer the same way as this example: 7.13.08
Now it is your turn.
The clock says 7.52.33
